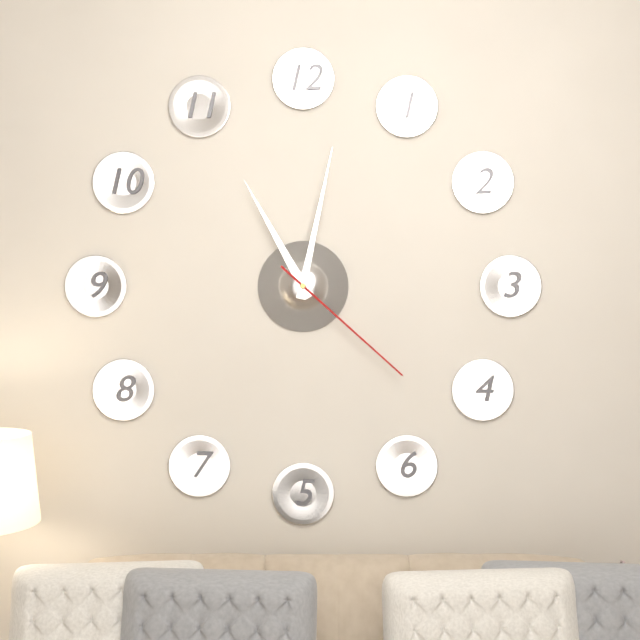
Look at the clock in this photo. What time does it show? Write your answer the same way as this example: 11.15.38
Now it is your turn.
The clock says 11.02.22
